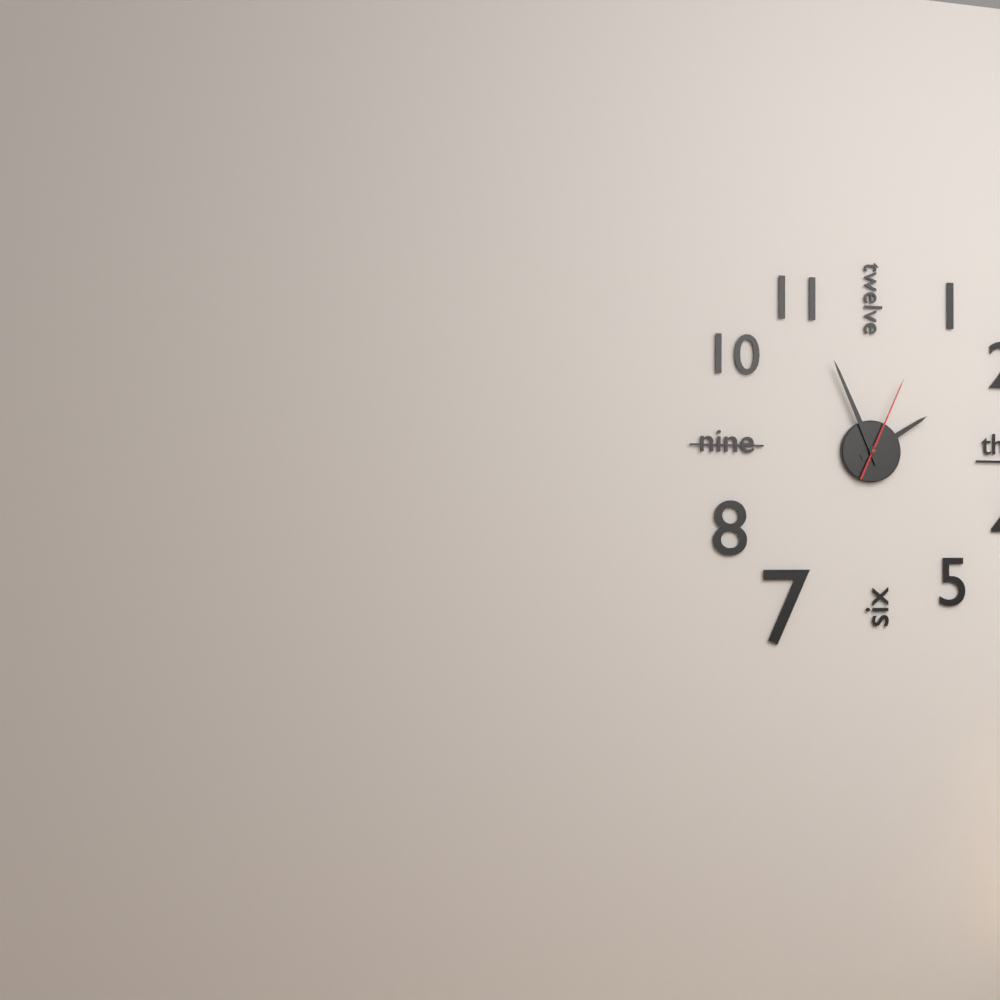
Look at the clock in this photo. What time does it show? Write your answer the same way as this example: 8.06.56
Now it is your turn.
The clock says 1.56.04
